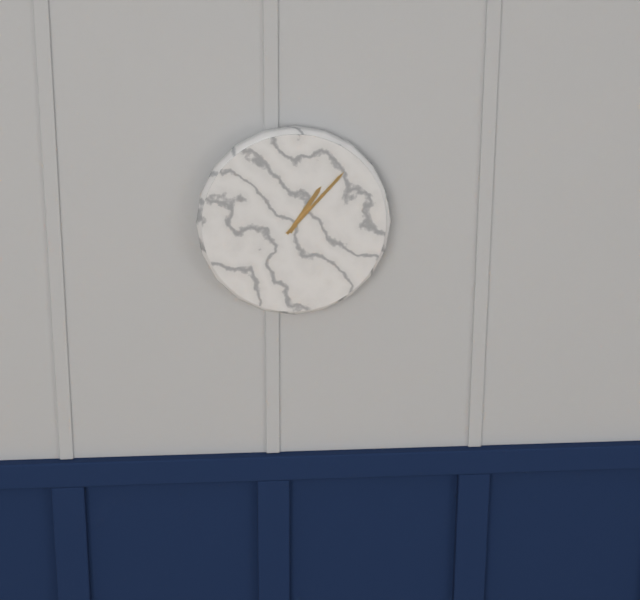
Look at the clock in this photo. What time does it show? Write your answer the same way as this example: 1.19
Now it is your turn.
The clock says 1.07
